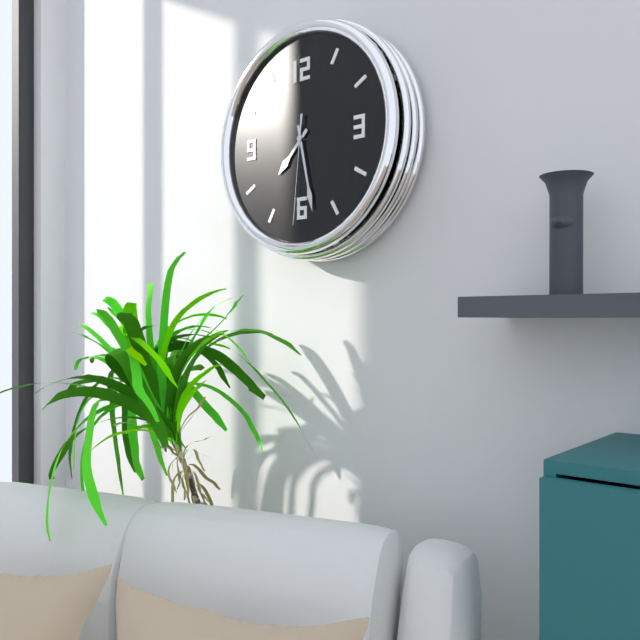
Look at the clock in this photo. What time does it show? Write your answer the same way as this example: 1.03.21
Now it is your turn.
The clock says 7.28.31
